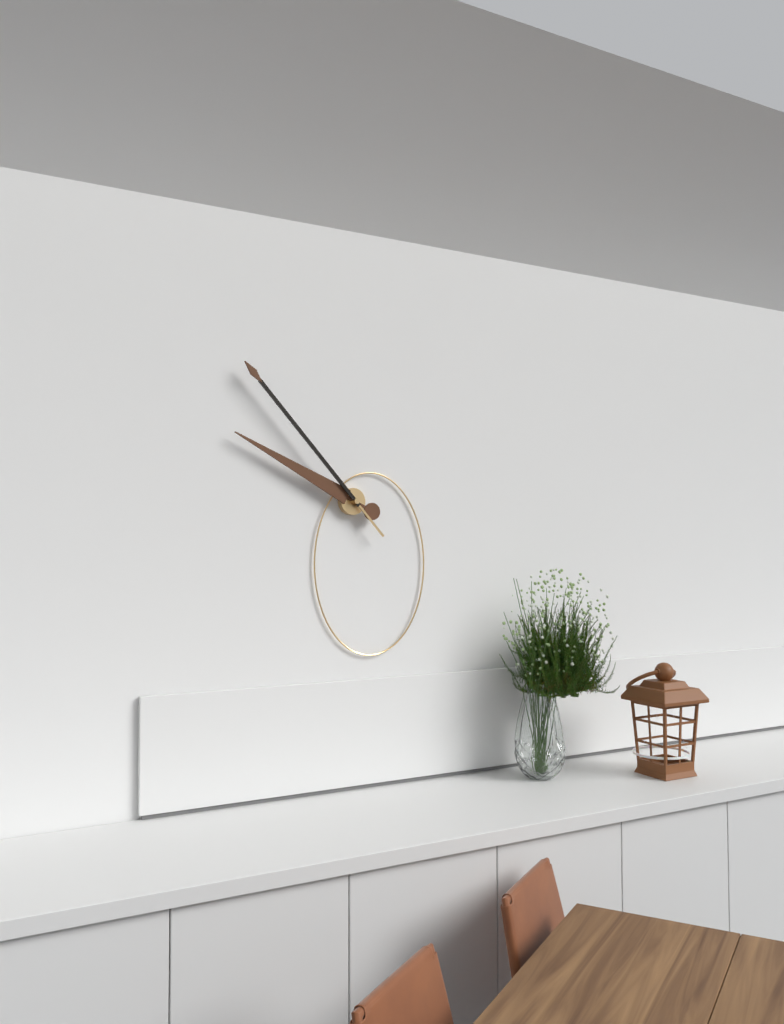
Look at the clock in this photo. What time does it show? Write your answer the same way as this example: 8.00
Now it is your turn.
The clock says 9.53
